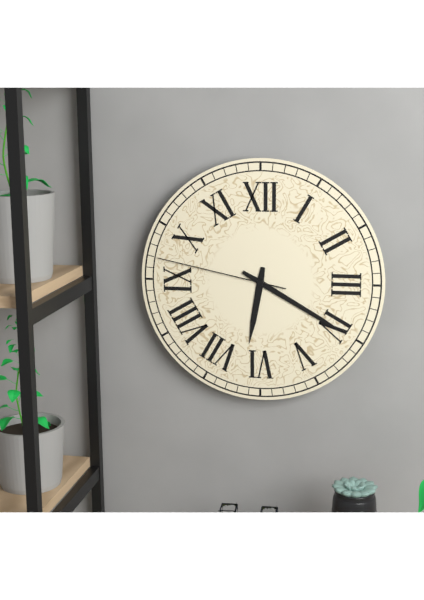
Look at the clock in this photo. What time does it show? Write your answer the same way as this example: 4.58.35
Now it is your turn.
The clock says 6.20.47
